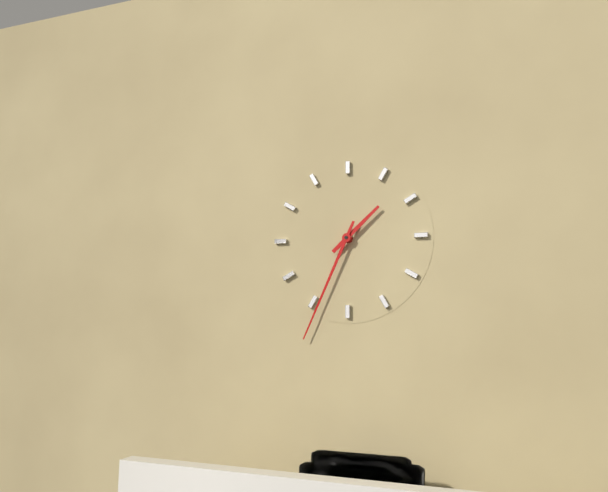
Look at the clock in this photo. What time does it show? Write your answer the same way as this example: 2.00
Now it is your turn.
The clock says 1.34
